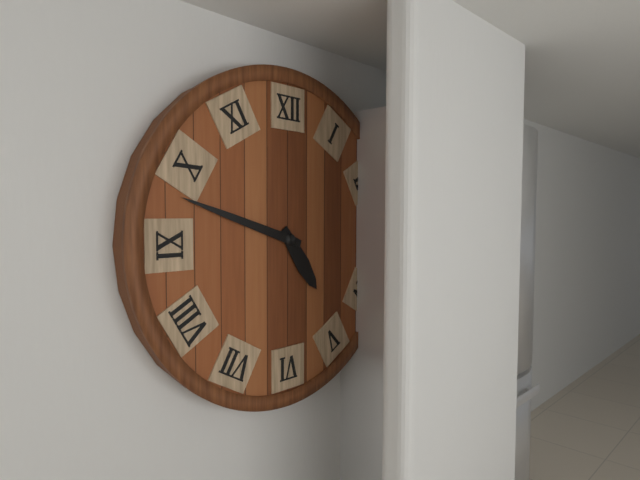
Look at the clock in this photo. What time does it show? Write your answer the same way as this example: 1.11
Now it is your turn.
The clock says 4.48
